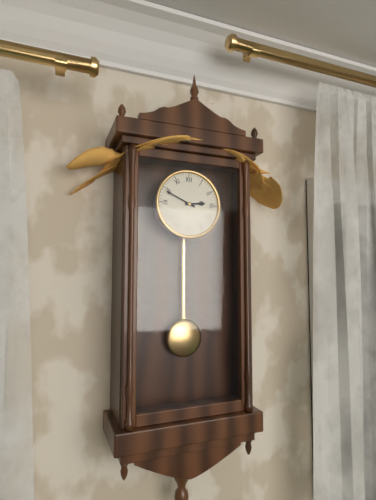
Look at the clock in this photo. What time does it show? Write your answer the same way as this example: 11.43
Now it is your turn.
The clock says 2.49
